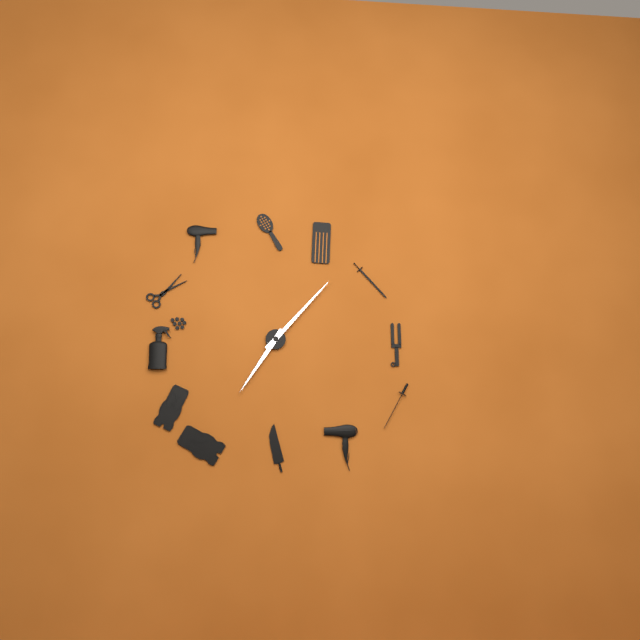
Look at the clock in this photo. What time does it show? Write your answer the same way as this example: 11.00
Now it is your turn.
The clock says 7.07
